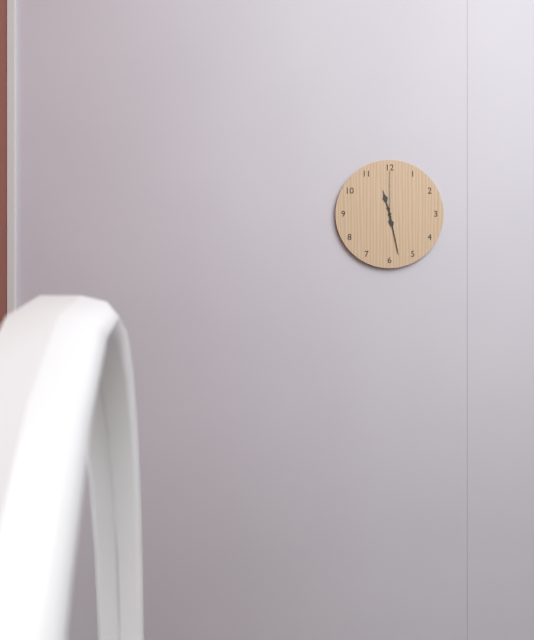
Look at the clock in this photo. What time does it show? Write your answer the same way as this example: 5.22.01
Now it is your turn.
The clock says 11.28.00
